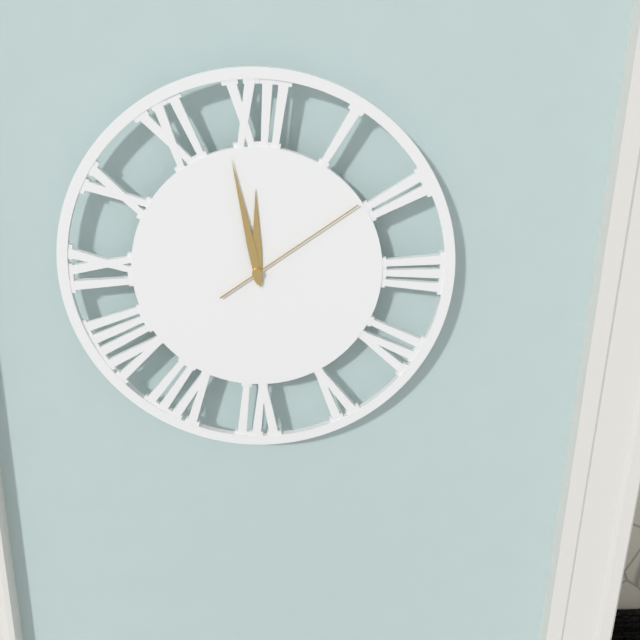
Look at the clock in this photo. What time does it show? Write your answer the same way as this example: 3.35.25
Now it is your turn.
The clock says 11.58.09
